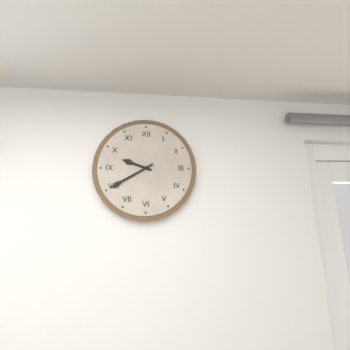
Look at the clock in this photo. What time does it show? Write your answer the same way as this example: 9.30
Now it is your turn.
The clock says 9.40
